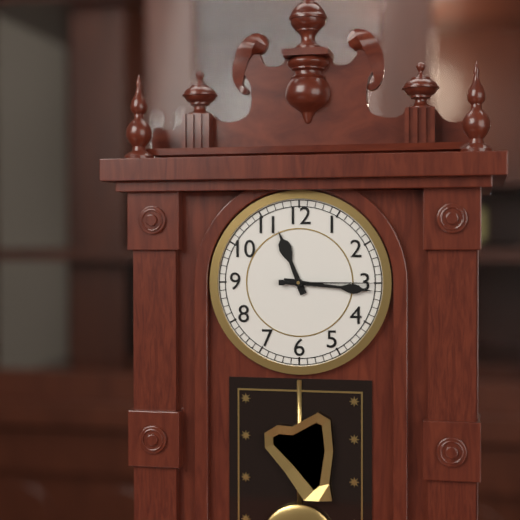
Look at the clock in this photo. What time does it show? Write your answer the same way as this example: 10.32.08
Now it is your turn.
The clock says 11.16.15
